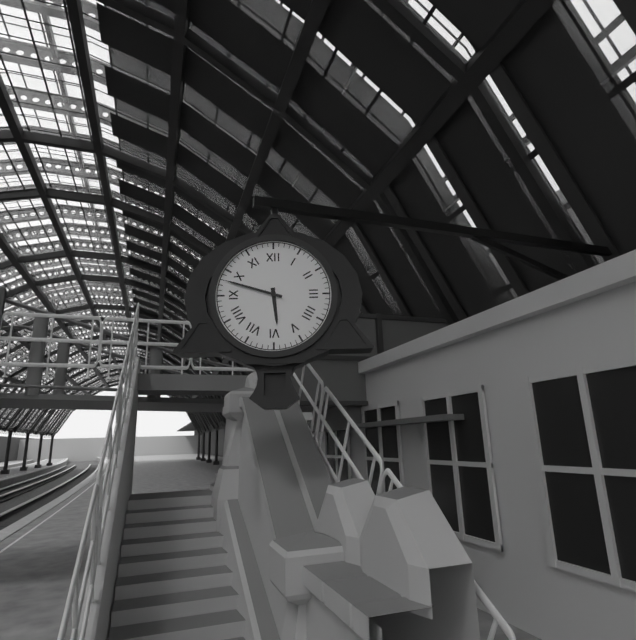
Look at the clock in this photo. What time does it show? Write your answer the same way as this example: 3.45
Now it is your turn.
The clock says 5.48
